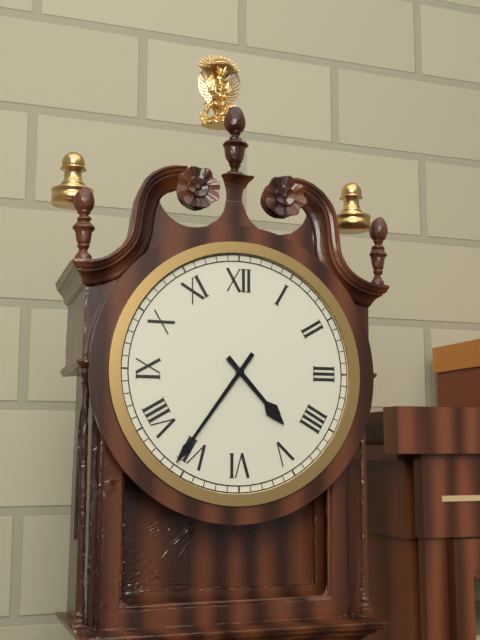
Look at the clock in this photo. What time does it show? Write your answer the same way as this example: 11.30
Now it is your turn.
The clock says 4.36
